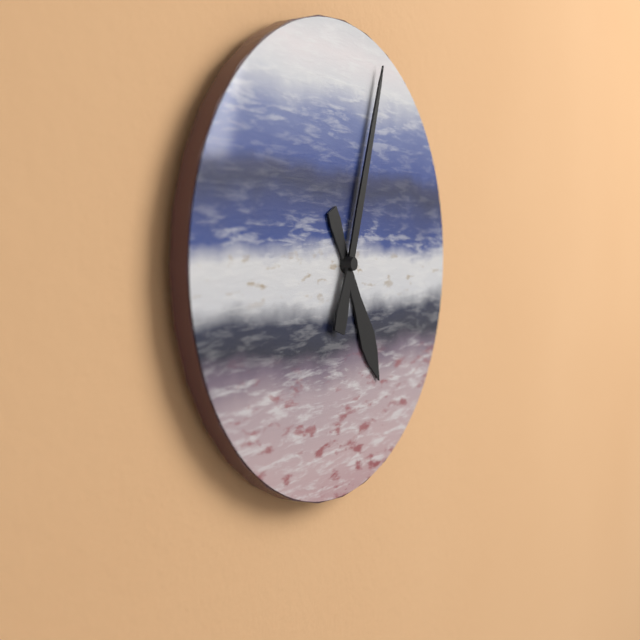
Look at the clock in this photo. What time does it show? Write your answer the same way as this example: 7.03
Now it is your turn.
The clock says 5.03
